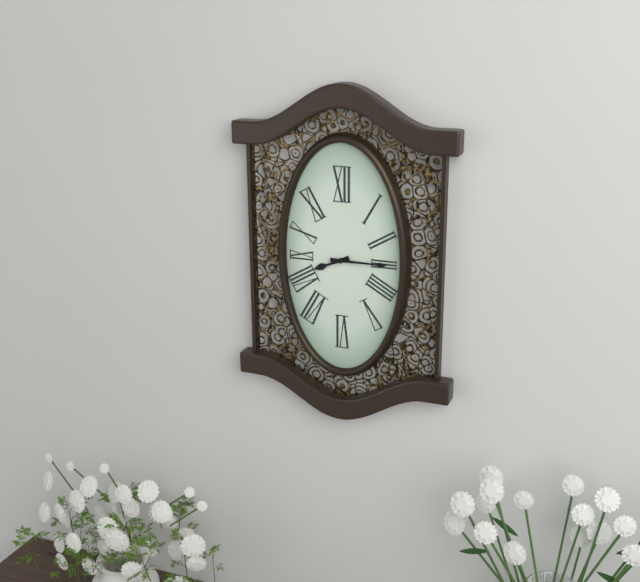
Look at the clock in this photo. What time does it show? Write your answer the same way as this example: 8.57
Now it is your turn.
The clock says 8.15
